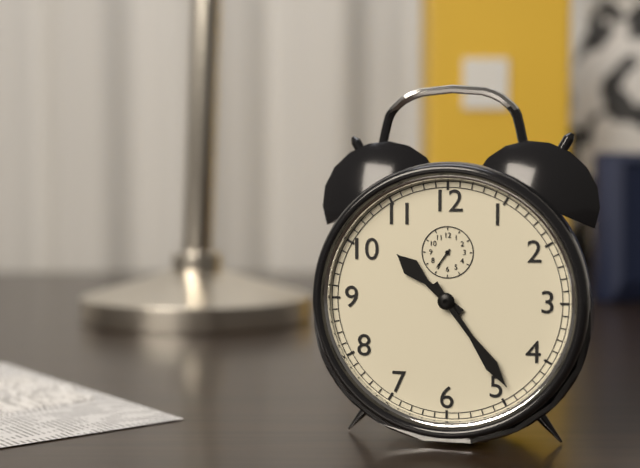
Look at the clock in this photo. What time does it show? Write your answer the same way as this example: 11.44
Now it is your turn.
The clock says 10.24
